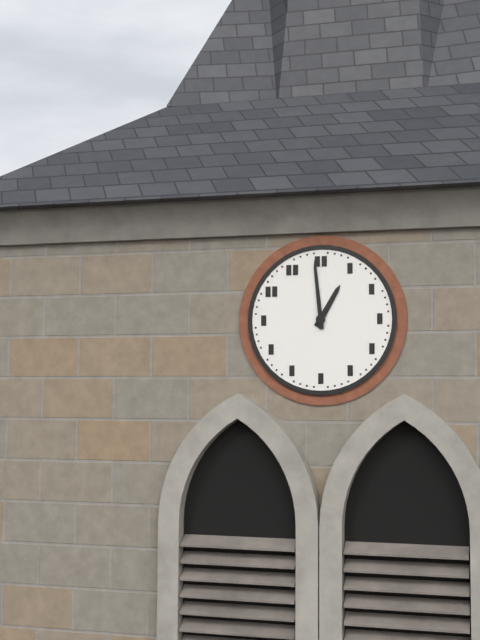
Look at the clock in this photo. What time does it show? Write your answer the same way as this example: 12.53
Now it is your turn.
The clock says 12.59
